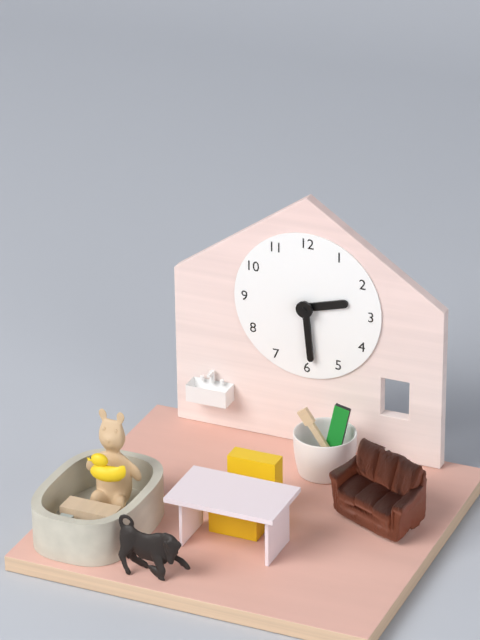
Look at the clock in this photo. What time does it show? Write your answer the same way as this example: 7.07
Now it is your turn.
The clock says 2.29
